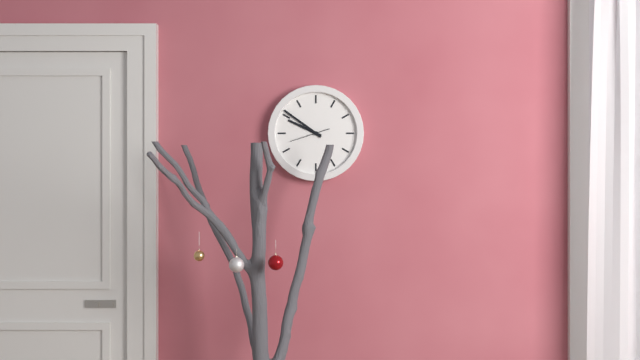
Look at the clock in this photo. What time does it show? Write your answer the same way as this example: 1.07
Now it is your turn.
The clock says 9.51
